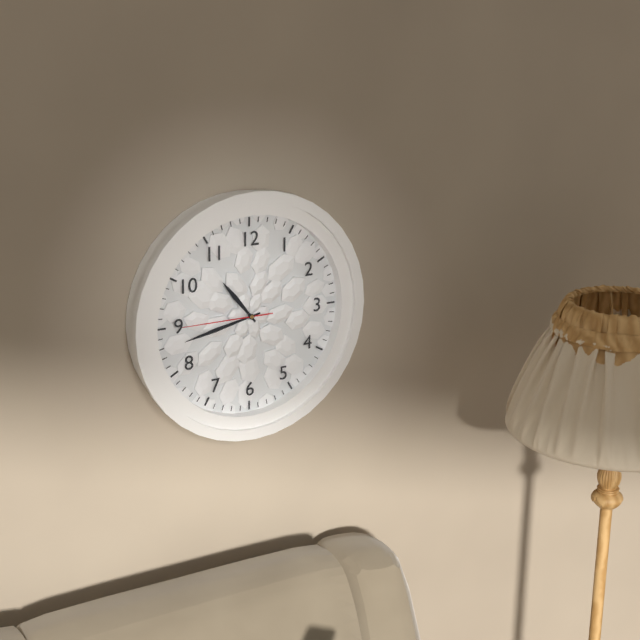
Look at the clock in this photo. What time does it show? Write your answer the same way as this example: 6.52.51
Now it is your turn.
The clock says 10.43.45
